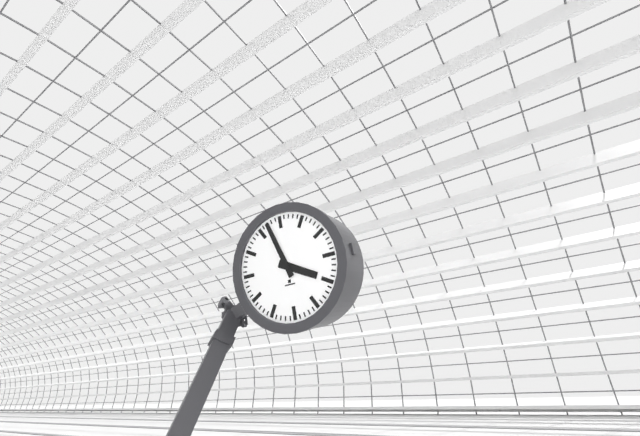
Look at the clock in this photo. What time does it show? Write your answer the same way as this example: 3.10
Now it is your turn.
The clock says 3.57
